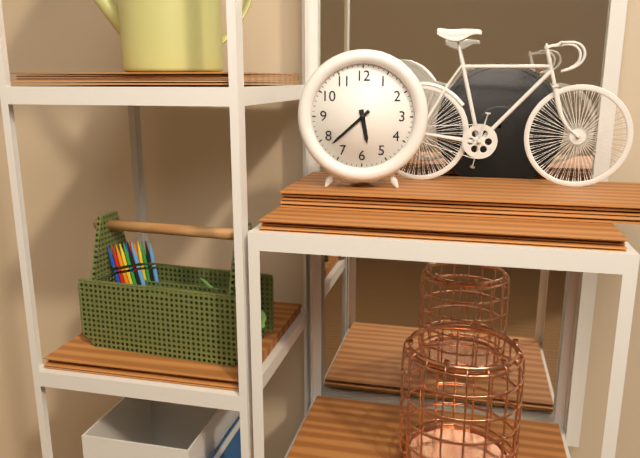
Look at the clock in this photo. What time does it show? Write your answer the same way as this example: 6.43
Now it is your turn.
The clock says 5.38
